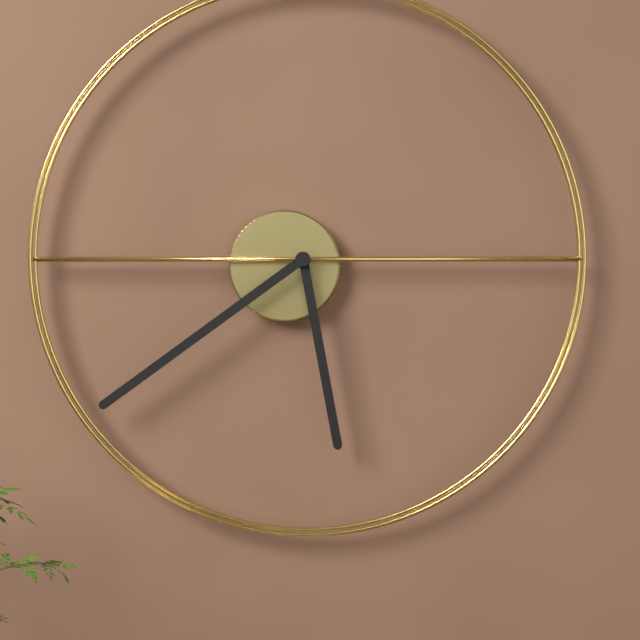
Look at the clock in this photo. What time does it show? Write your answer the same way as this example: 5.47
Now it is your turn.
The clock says 5.39
